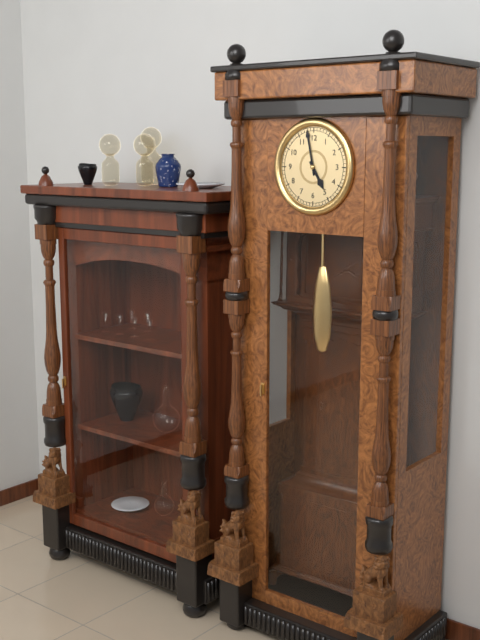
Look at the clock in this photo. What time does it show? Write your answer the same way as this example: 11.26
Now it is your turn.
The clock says 4.58
